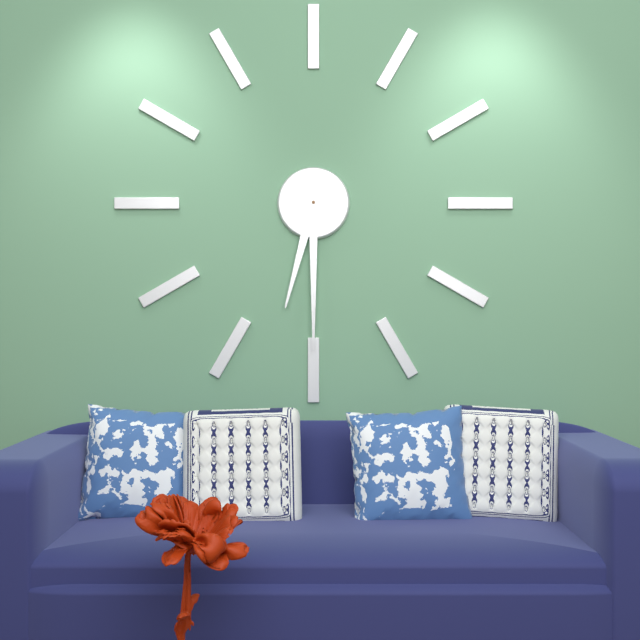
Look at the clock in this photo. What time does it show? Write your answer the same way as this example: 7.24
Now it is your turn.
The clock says 6.30
